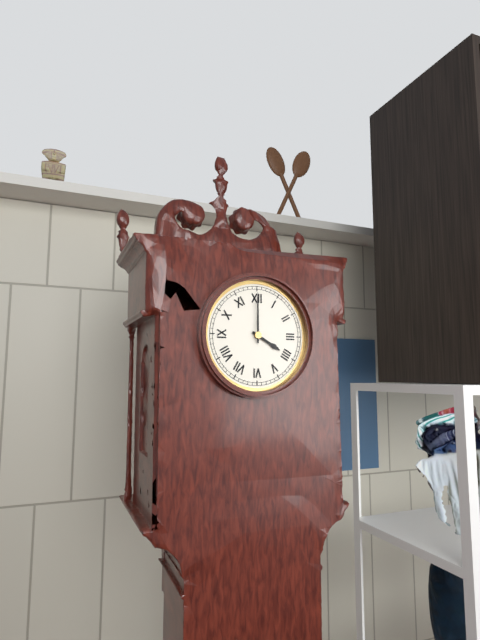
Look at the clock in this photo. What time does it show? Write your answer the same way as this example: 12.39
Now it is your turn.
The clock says 4.00
